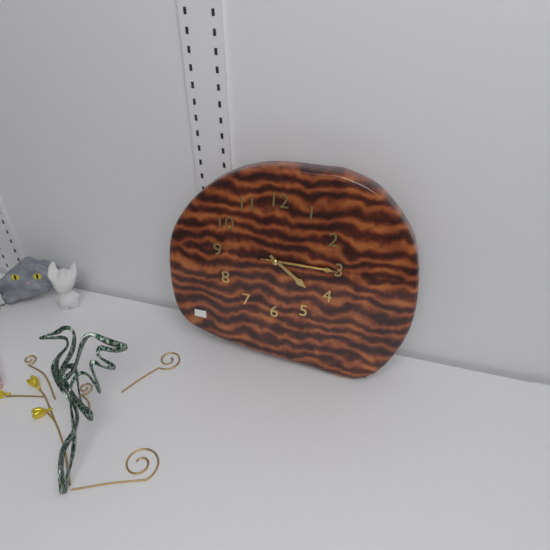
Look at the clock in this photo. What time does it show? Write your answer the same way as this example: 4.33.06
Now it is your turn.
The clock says 4.15.15
